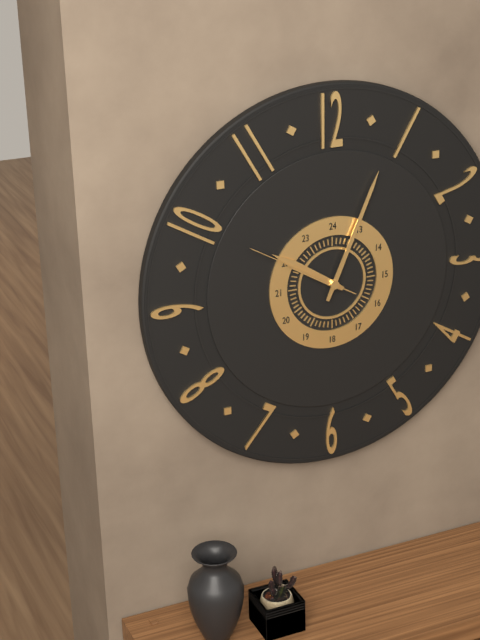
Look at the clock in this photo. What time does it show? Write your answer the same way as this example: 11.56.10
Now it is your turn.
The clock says 10.04.50
